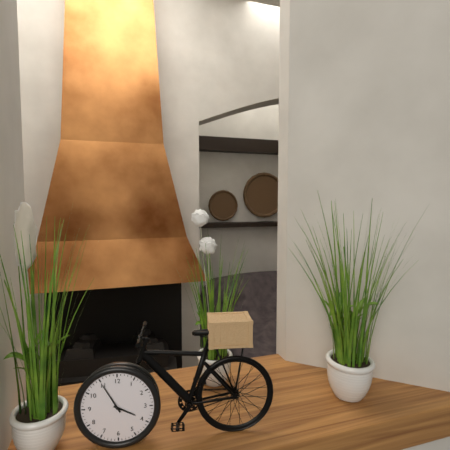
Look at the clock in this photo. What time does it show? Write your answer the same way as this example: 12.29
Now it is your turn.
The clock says 3.55
